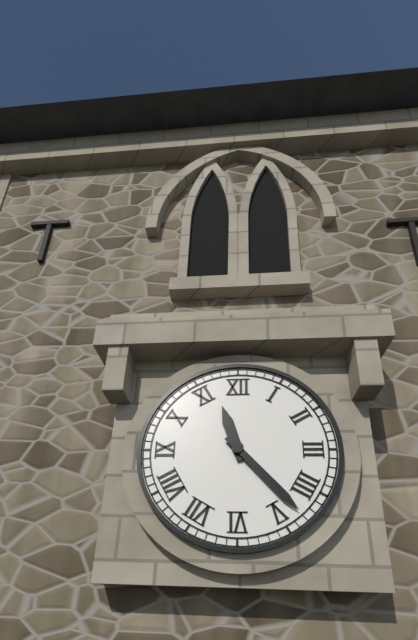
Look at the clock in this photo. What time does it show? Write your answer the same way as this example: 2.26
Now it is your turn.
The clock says 11.23
